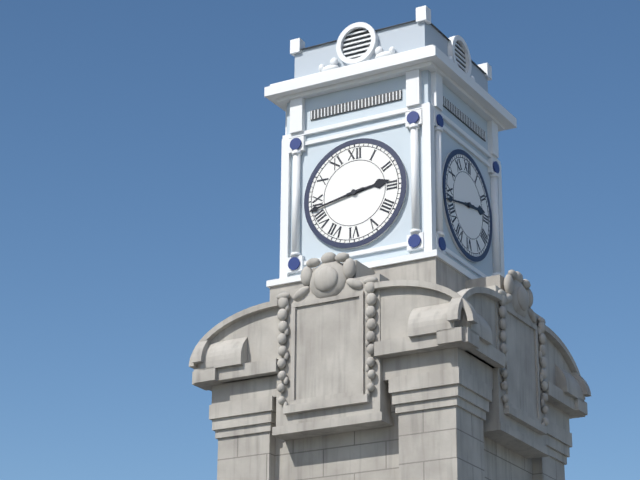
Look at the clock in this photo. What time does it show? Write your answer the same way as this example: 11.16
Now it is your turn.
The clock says 2.43
